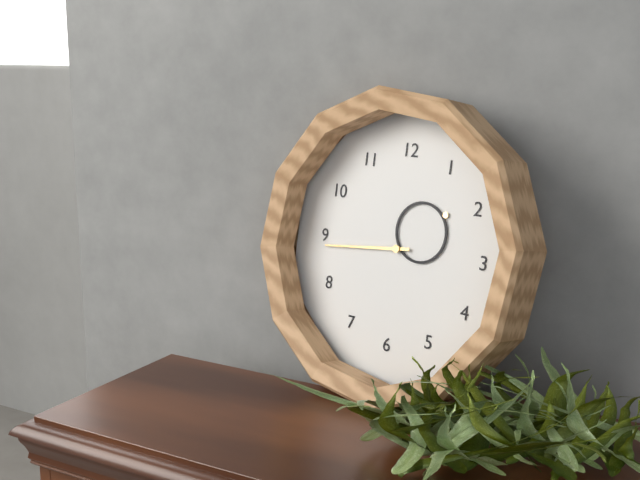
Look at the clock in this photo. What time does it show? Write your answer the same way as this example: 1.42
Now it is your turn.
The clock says 1.44
